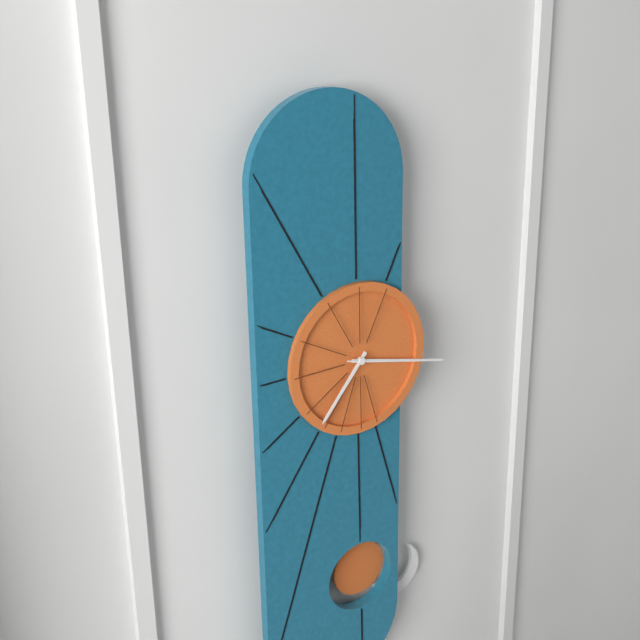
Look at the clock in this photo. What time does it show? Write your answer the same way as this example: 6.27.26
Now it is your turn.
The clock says 7.17.17
